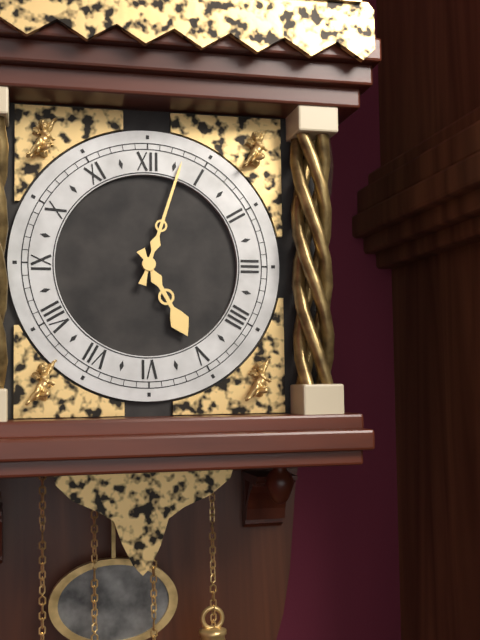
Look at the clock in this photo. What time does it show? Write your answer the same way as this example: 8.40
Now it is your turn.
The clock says 5.03
